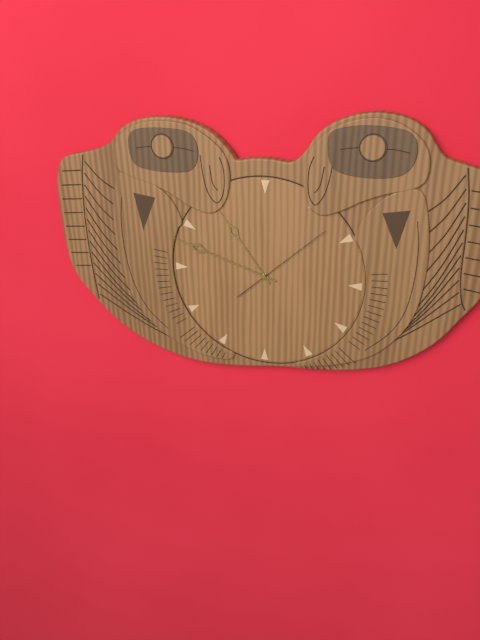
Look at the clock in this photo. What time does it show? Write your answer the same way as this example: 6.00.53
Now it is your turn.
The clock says 10.48.08
